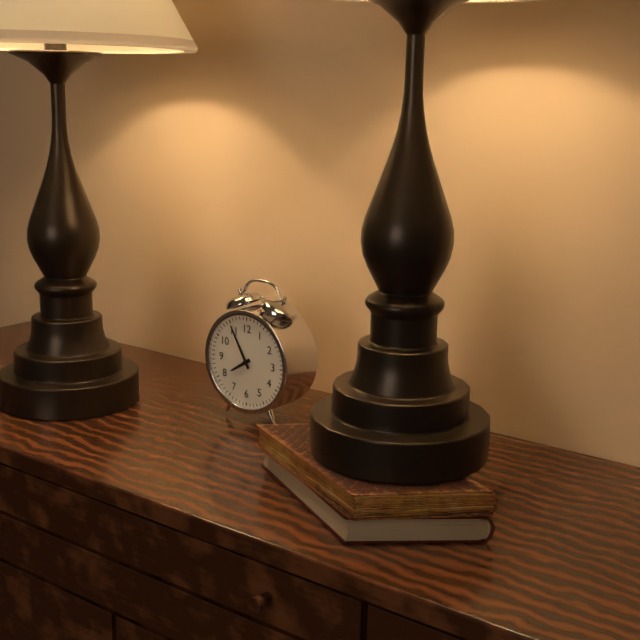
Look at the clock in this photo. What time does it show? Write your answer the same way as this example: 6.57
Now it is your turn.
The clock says 7.55
